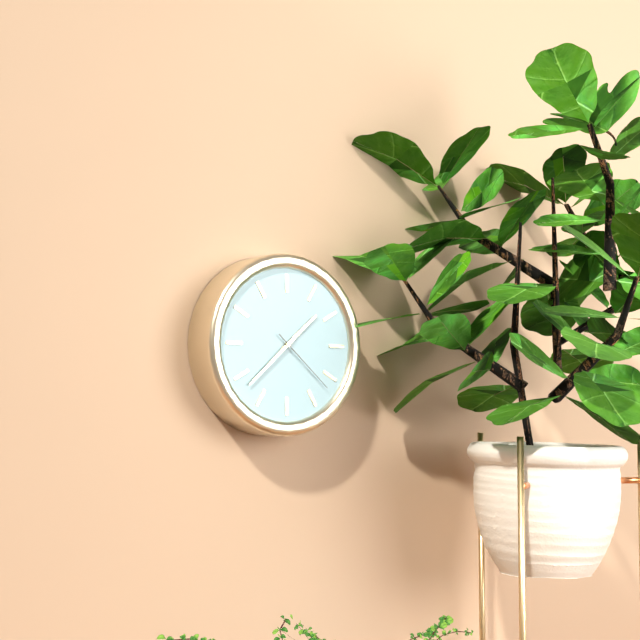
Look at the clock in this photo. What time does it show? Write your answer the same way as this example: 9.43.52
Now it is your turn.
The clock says 1.38.22
